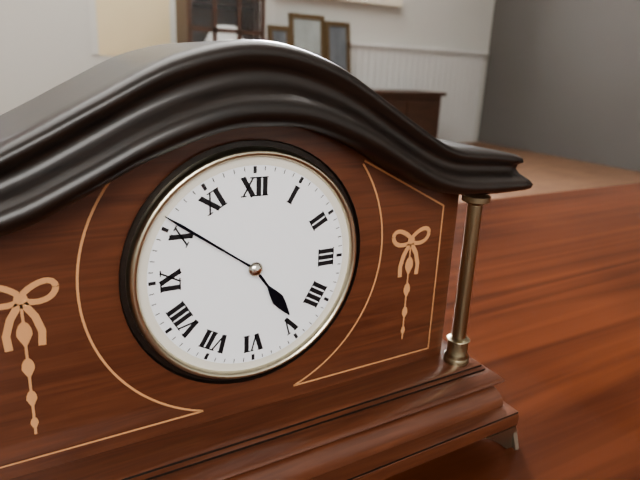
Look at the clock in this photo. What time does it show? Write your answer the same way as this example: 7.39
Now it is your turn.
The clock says 4.51
